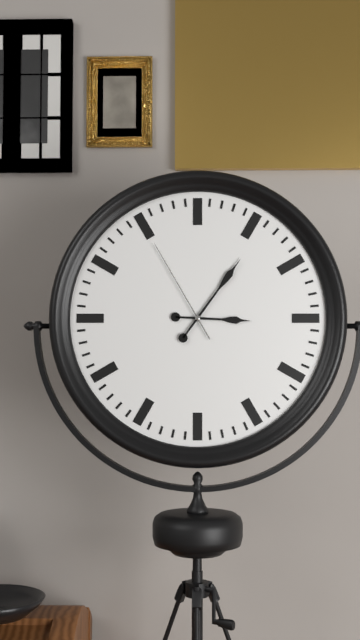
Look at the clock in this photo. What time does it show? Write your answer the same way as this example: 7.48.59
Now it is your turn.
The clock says 3.06.55
